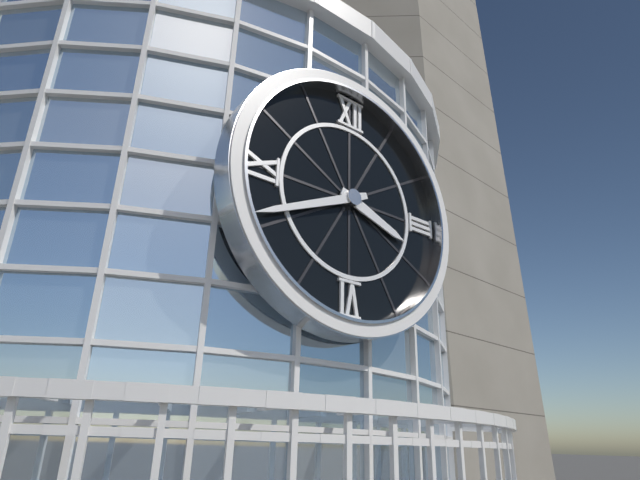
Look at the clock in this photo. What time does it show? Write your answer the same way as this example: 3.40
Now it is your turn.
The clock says 3.41
